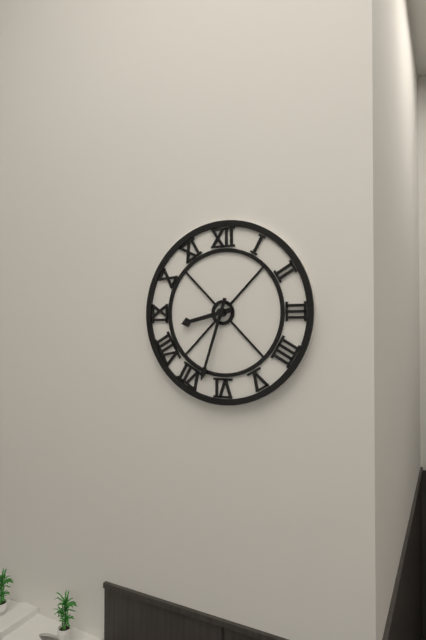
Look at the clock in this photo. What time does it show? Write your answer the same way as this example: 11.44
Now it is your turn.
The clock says 8.33
